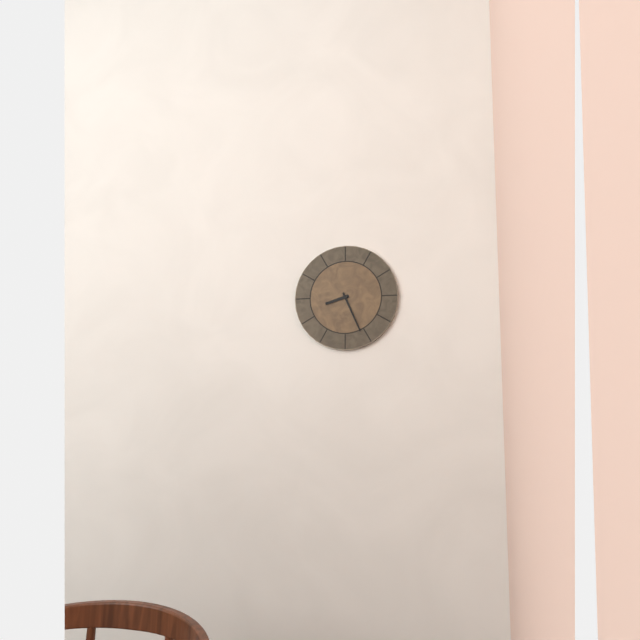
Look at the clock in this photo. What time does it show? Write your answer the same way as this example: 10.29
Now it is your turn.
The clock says 8.26
